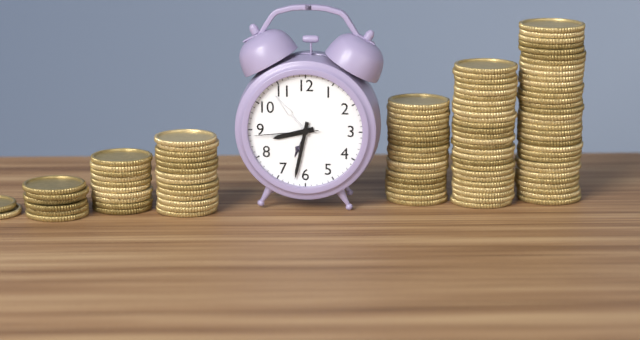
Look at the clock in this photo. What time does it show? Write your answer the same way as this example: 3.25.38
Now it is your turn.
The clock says 8.32.44
